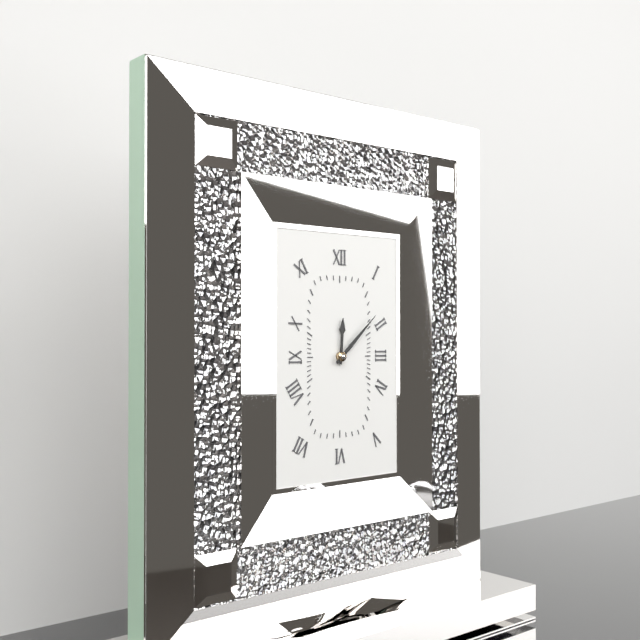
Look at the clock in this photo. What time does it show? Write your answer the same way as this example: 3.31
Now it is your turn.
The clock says 12.08
